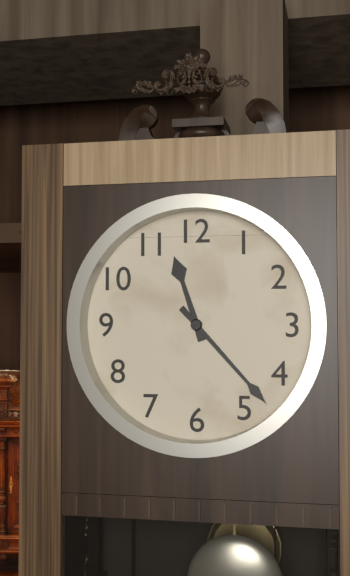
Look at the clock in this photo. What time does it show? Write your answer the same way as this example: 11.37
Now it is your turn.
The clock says 11.23
